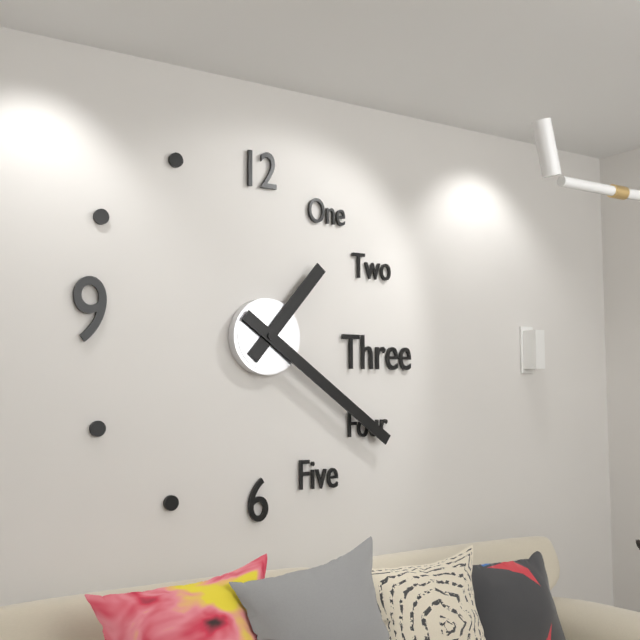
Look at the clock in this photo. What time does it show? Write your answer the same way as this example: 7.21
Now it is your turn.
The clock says 1.21
